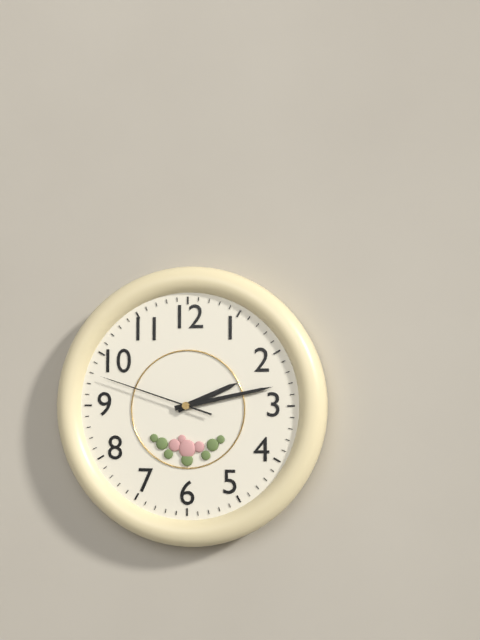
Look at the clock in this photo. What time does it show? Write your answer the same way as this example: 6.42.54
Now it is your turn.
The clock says 2.13.48
